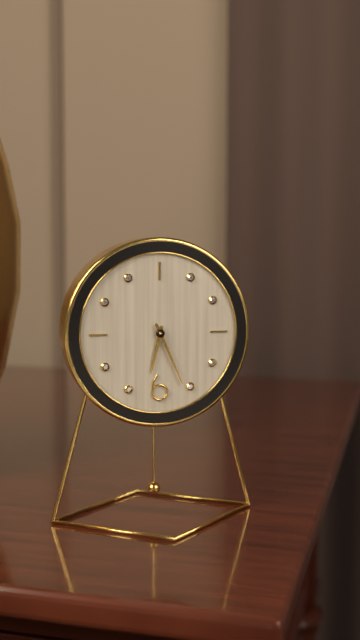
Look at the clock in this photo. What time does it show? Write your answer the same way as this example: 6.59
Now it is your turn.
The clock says 6.26
